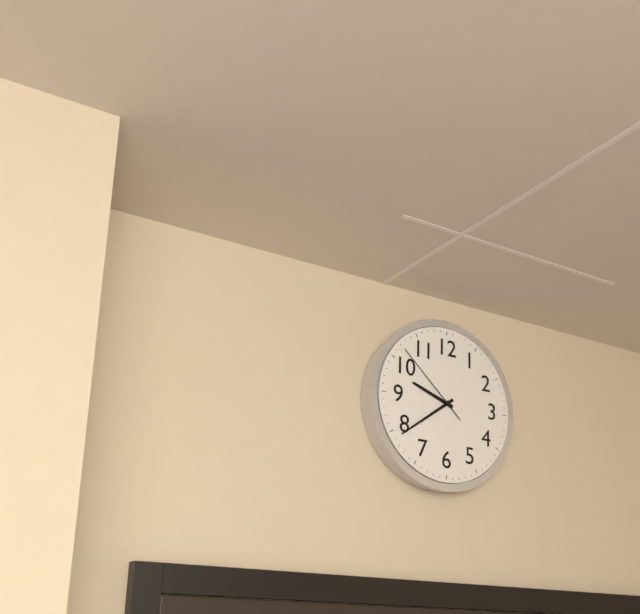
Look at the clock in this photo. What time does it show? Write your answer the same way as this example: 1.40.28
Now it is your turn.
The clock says 9.39.52
